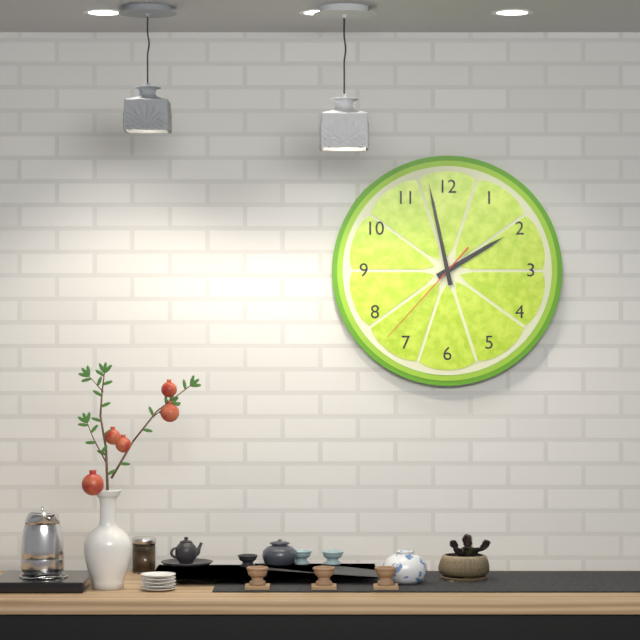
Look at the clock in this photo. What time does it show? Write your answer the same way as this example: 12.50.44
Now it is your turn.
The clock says 1.58.37
